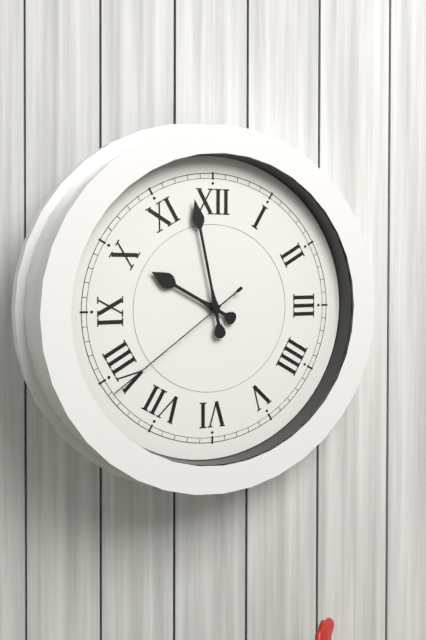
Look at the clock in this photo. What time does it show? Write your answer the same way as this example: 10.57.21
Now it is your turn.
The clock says 9.58.39
